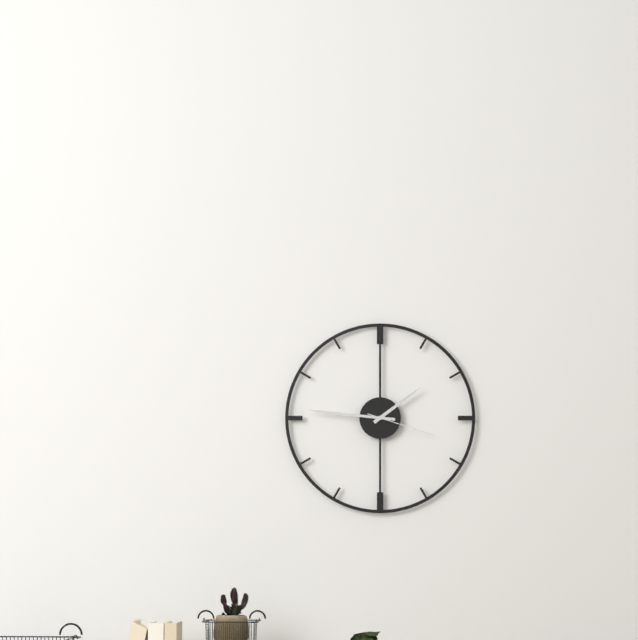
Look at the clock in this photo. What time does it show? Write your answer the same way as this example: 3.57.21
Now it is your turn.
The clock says 1.46.18
